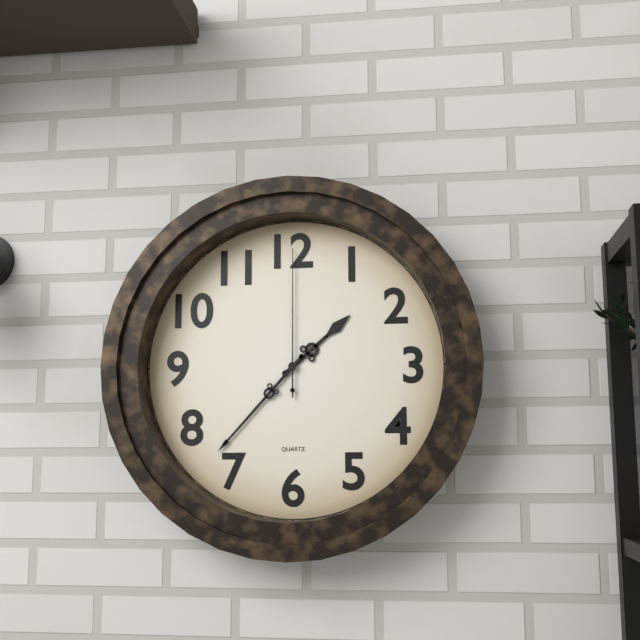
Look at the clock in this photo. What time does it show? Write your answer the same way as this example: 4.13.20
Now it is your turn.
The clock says 1.37.00
